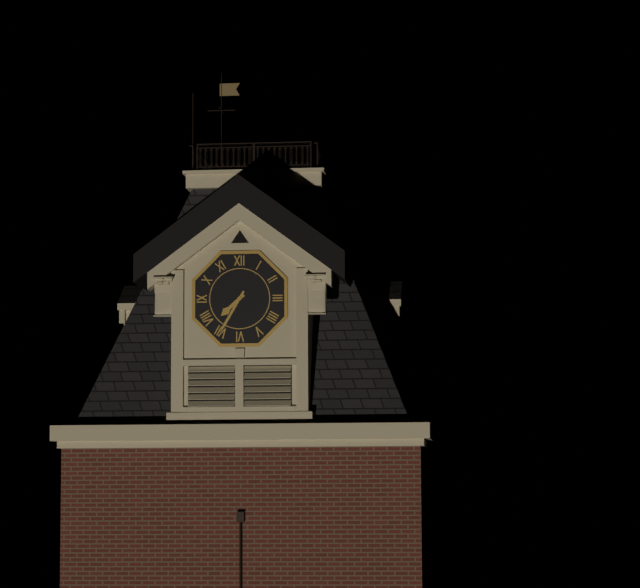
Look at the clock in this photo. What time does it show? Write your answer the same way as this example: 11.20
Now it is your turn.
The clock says 7.35
